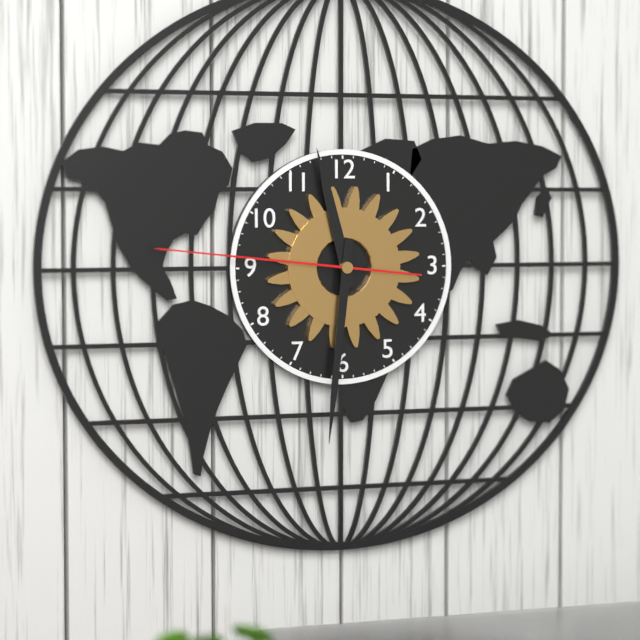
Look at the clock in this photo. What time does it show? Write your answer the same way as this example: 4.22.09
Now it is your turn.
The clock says 11.31.46
